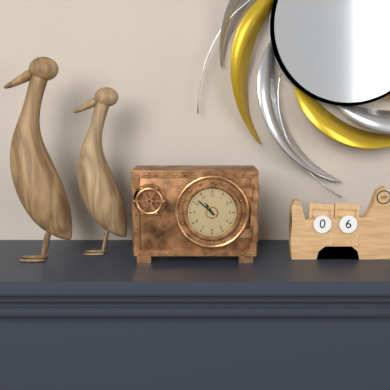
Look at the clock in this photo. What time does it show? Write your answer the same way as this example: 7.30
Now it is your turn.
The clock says 10.52
